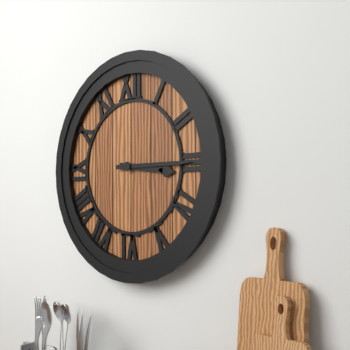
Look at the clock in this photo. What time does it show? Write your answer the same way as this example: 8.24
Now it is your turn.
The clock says 3.15
